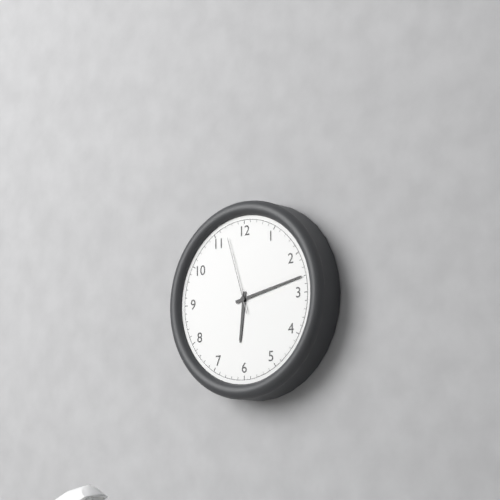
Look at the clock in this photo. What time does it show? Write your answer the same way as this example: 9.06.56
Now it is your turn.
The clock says 6.13.57
